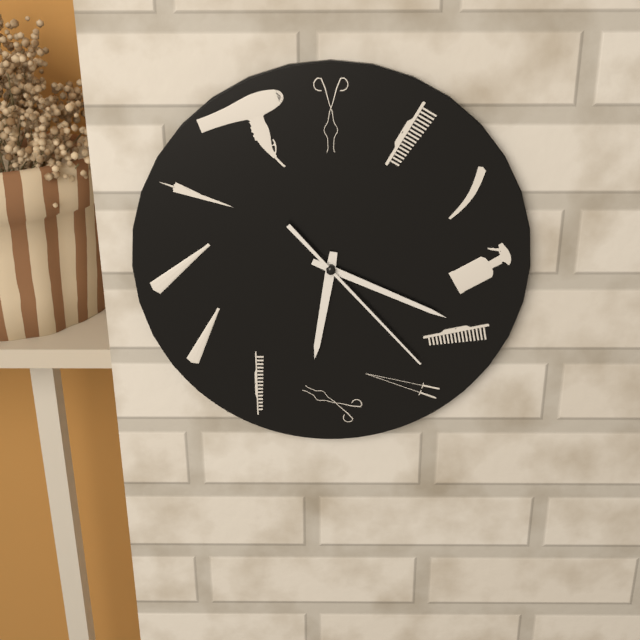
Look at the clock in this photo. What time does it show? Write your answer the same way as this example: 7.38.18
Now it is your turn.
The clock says 6.19.23
